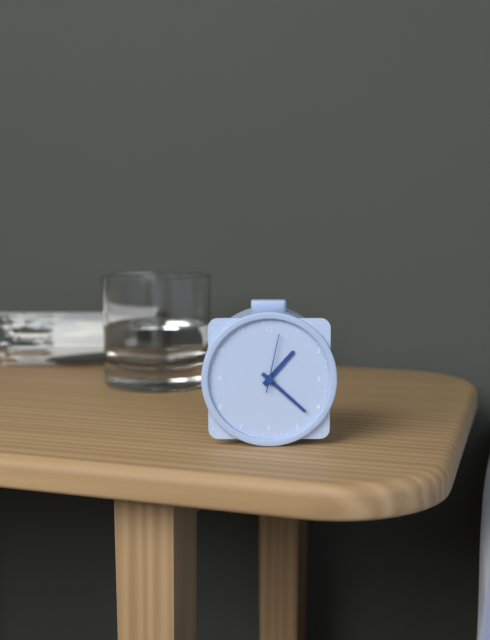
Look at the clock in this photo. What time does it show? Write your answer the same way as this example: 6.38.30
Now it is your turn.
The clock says 1.22.02
